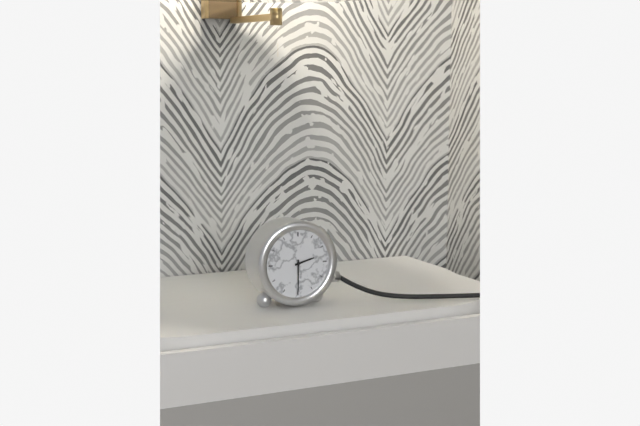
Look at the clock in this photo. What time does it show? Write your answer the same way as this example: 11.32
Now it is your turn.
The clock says 2.30
